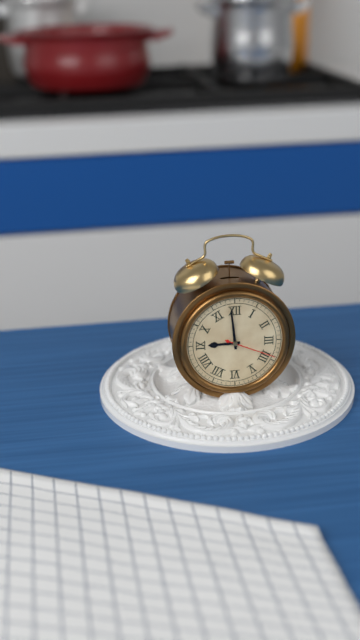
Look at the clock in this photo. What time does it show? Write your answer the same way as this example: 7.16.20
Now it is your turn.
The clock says 8.59.19
